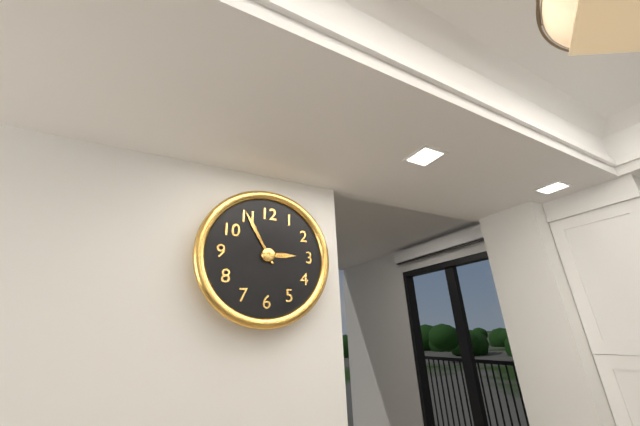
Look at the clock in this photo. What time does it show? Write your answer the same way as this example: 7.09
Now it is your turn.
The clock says 2.55
